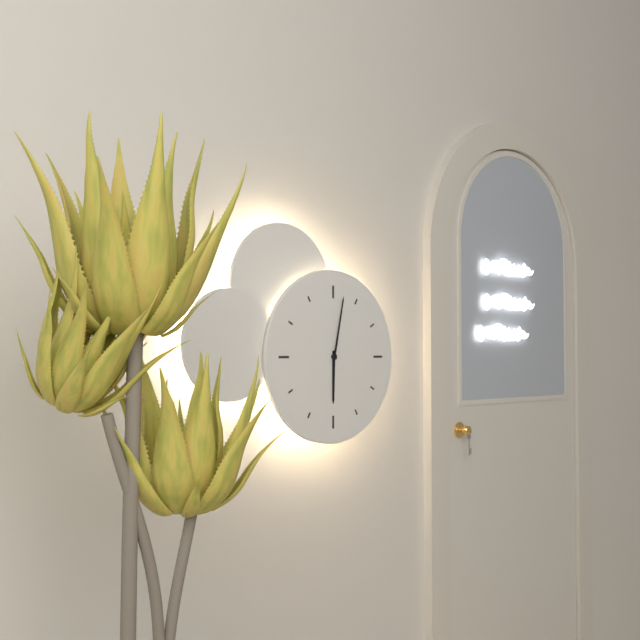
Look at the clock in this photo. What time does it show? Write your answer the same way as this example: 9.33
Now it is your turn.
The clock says 6.02
